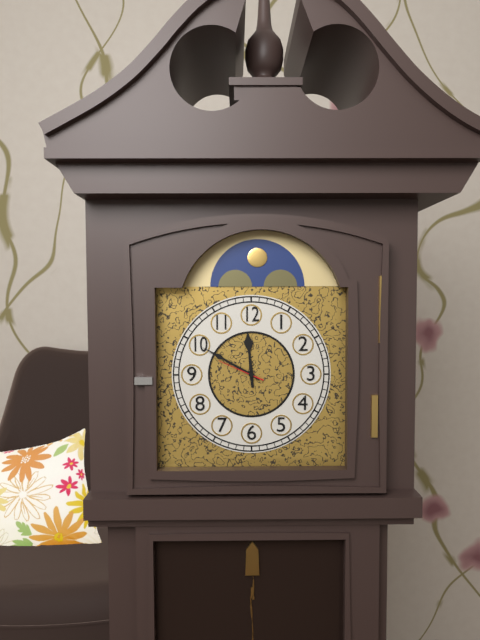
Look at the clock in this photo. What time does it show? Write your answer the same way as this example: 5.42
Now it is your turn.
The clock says 11.50
